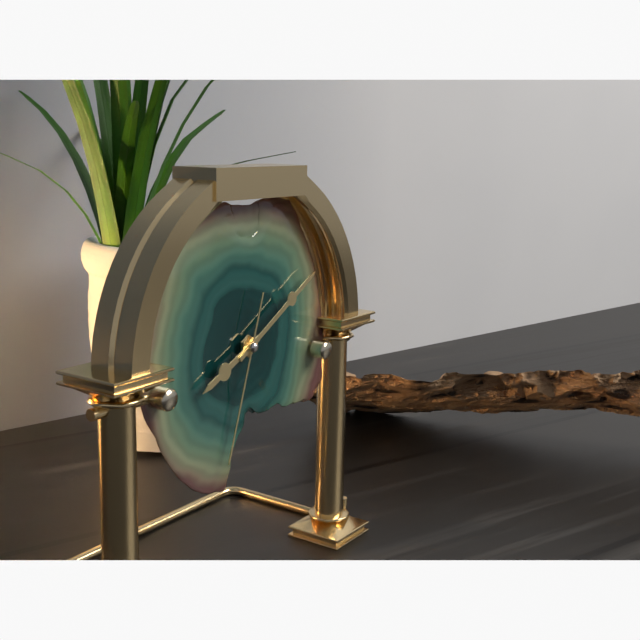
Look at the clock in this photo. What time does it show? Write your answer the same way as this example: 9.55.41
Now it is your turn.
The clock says 8.10.33
